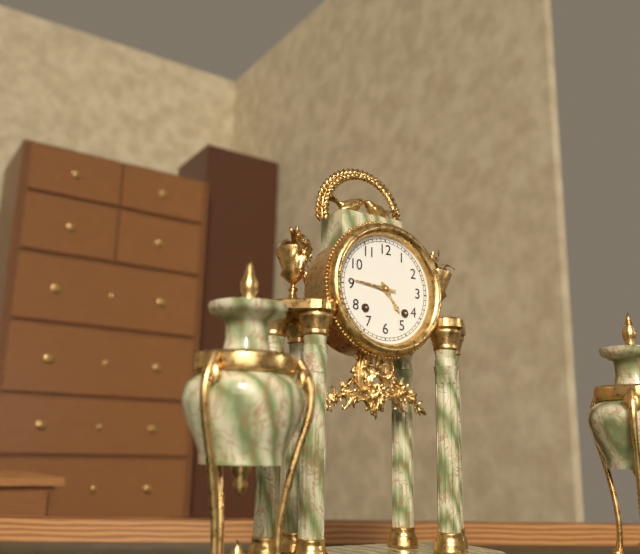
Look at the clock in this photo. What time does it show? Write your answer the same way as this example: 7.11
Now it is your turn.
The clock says 4.46
